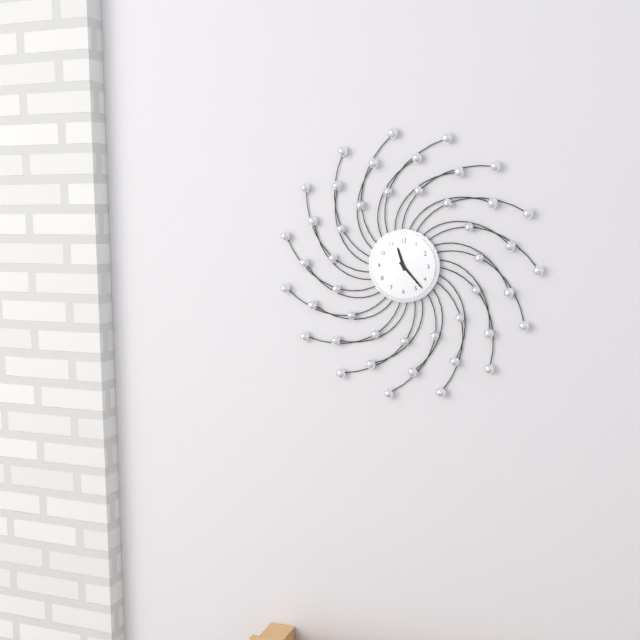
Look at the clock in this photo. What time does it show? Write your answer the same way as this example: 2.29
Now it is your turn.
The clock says 11.23
